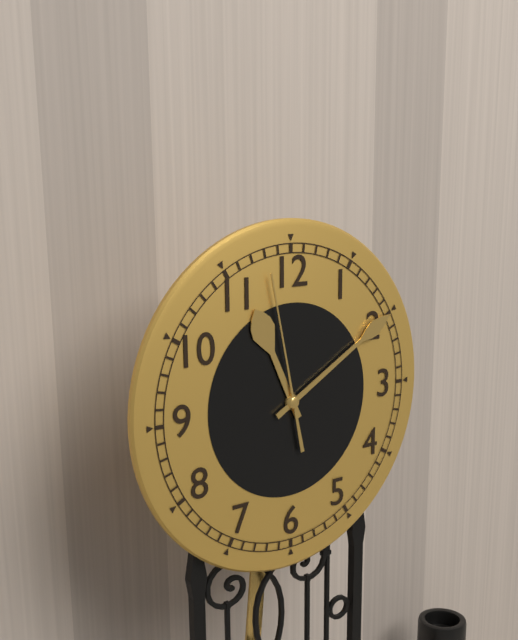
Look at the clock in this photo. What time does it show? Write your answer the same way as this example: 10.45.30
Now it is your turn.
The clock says 11.10.58
